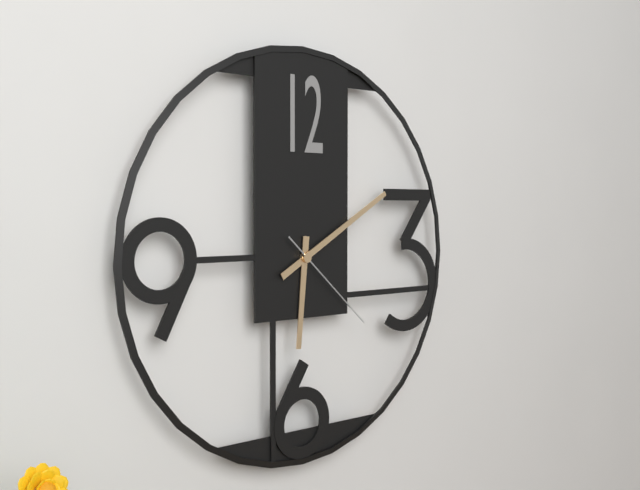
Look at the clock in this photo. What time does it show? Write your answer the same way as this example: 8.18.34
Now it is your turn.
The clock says 6.10.22
